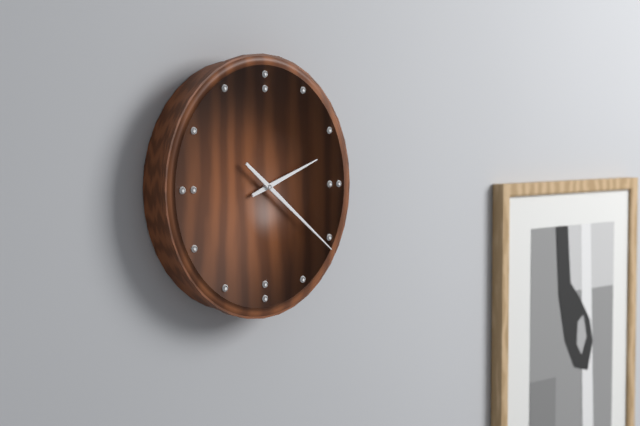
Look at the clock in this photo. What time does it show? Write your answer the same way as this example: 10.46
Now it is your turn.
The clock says 2.21
